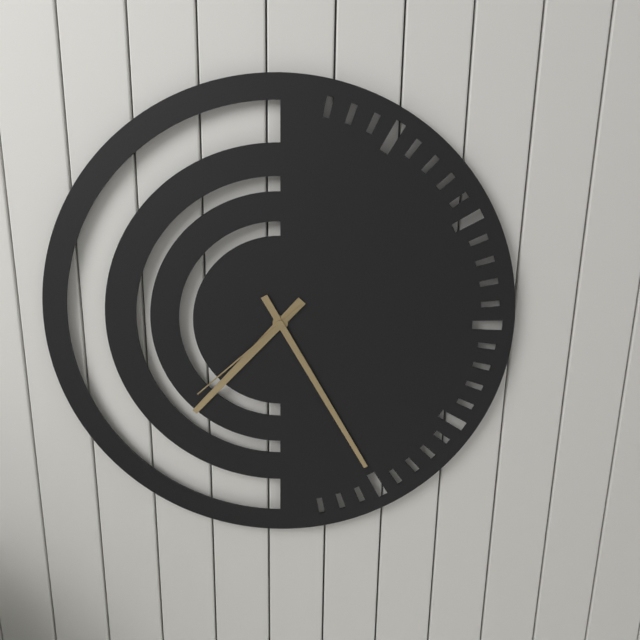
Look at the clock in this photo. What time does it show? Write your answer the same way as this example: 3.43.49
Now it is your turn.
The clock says 7.25.38
